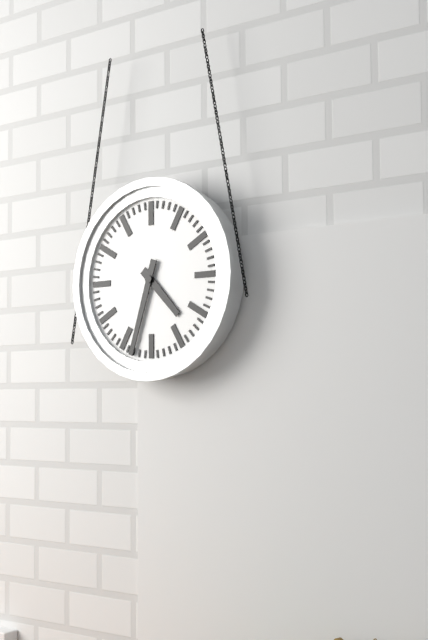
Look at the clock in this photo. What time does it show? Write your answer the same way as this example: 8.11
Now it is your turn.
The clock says 4.33
